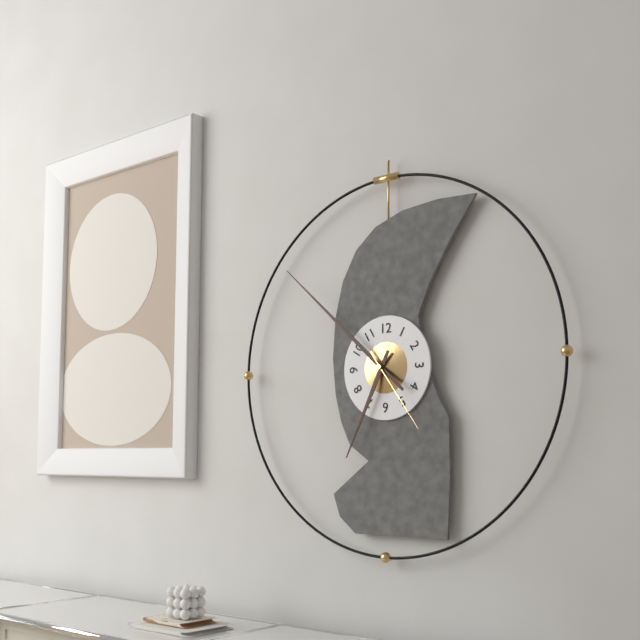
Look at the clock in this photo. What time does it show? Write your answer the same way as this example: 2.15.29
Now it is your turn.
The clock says 6.52.24
